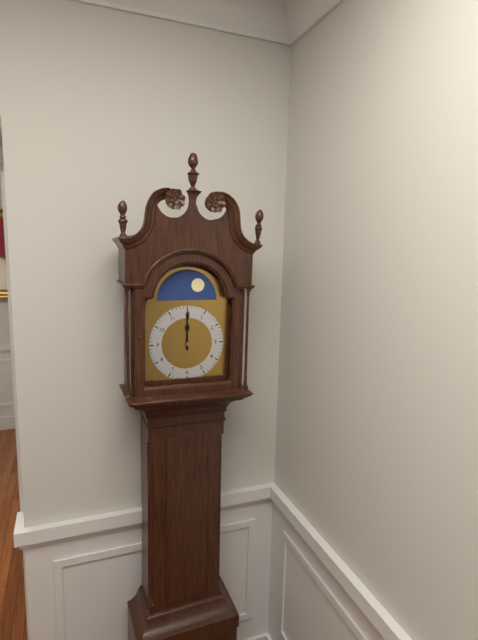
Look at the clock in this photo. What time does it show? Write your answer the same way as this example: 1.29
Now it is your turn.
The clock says 12.00
